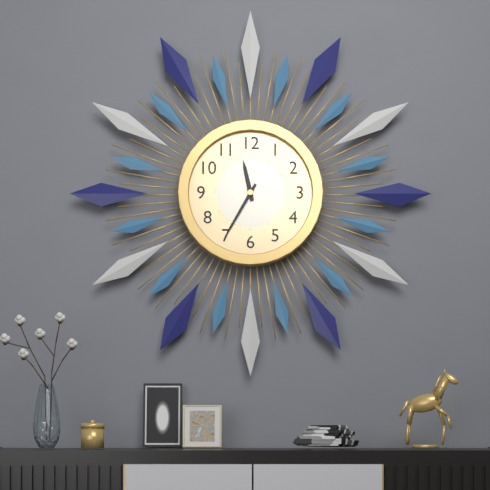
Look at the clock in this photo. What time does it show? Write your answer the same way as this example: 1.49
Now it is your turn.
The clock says 11.35
